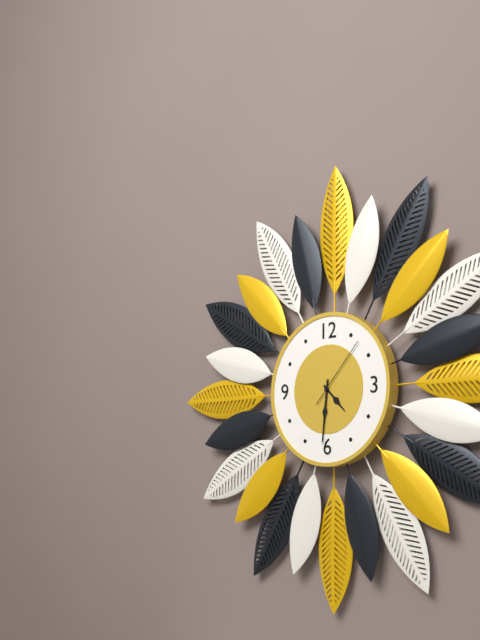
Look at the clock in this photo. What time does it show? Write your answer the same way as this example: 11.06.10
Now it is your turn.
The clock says 4.31.07
